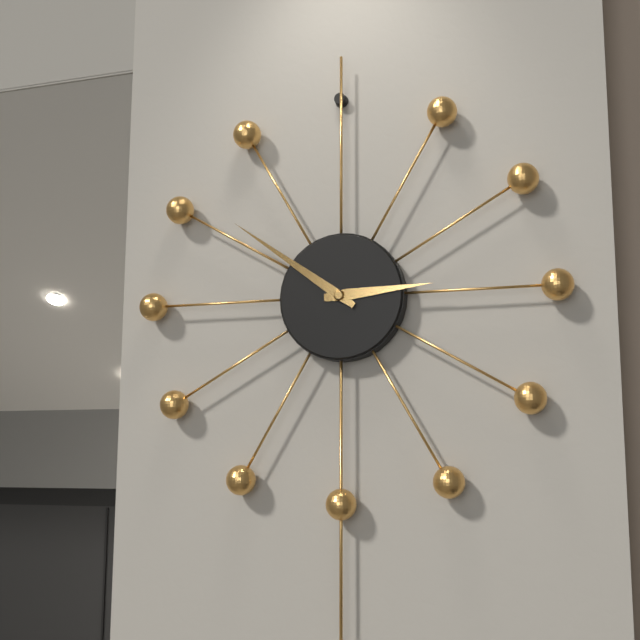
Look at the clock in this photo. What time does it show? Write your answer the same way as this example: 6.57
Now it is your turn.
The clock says 2.51
